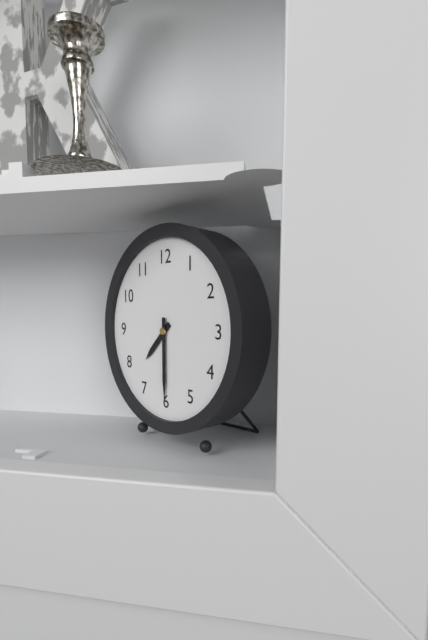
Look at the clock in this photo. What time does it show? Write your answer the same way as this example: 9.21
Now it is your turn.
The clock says 7.30
